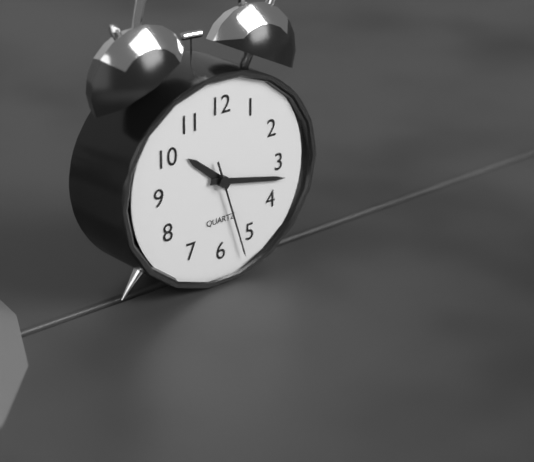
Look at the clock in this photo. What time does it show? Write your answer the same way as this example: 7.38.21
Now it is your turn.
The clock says 10.17.27
